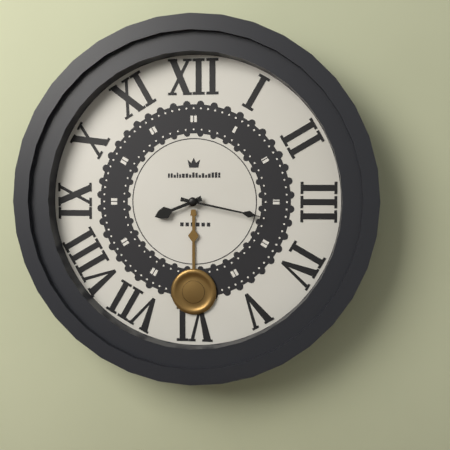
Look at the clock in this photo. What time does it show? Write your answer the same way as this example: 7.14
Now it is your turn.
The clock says 8.17
